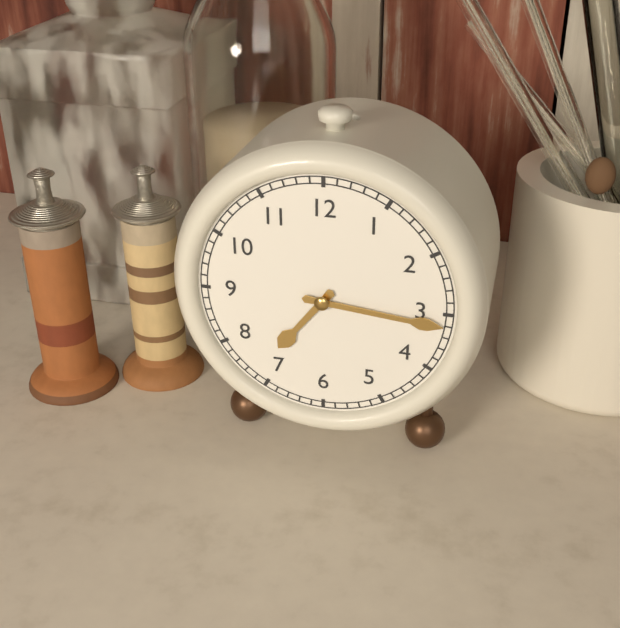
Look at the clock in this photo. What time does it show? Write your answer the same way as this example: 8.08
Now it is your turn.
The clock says 7.16
